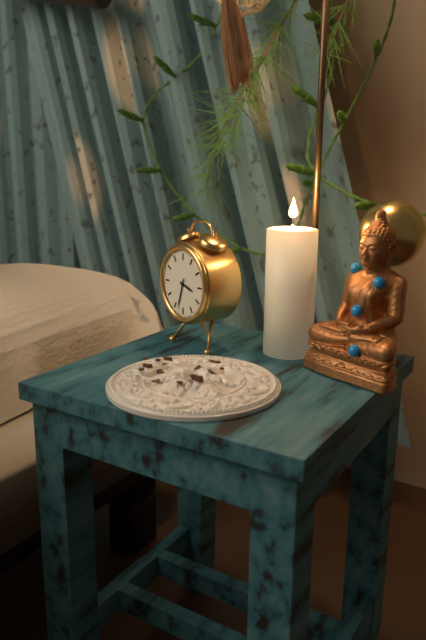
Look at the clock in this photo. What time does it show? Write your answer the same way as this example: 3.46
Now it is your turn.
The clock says 3.33
